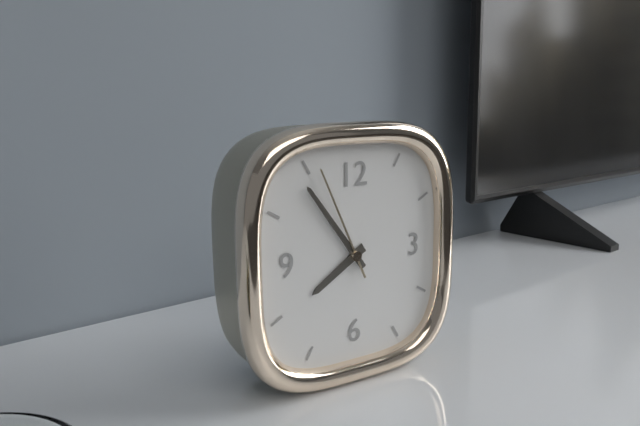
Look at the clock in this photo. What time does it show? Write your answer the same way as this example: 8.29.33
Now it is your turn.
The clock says 7.54.56
